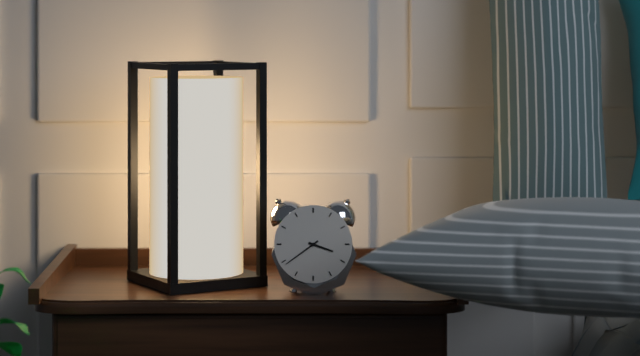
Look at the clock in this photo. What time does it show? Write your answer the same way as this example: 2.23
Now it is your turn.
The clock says 3.39
